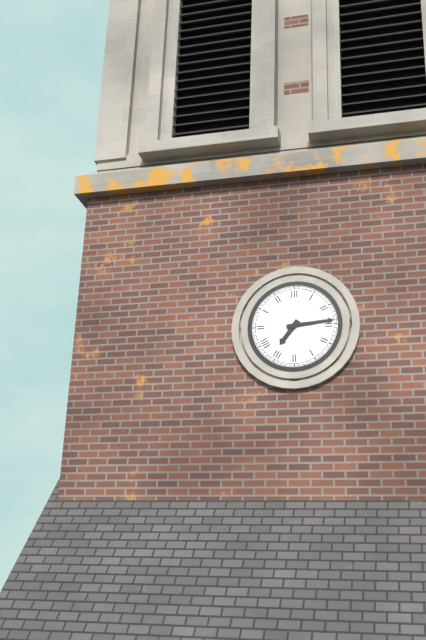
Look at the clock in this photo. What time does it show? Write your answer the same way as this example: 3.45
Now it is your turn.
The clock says 7.14
